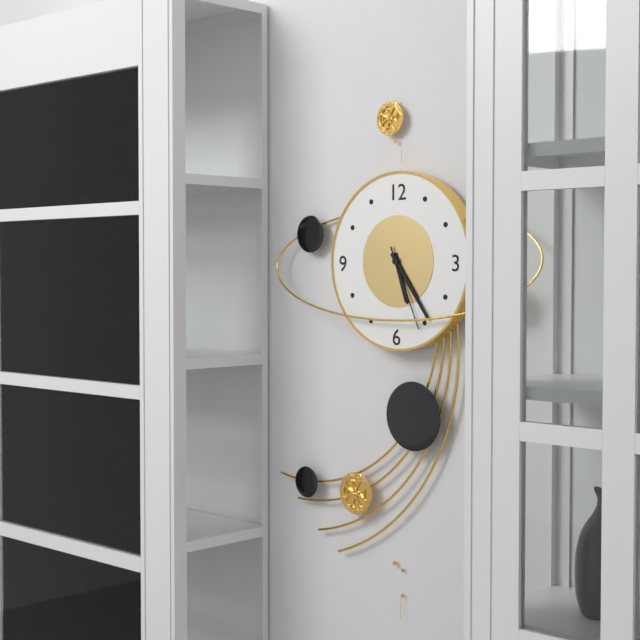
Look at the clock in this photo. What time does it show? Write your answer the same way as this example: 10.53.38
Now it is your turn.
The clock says 5.24.26
